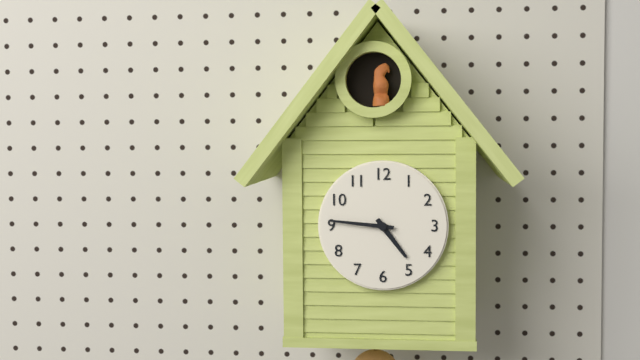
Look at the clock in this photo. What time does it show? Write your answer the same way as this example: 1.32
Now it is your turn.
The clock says 4.46
